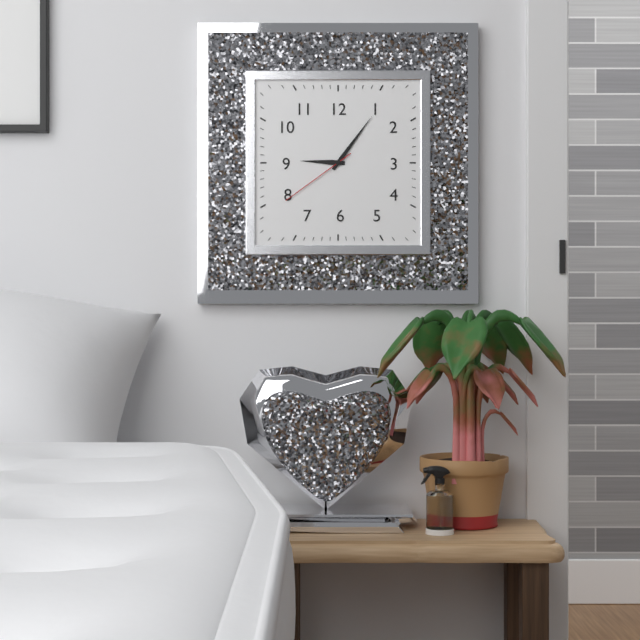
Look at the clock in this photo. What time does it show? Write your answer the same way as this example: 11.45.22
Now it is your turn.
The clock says 9.06.39
